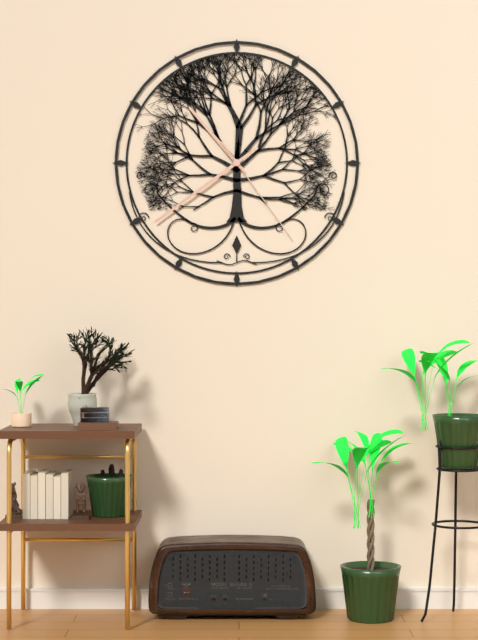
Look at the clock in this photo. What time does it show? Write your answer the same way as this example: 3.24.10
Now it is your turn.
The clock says 10.39.24
